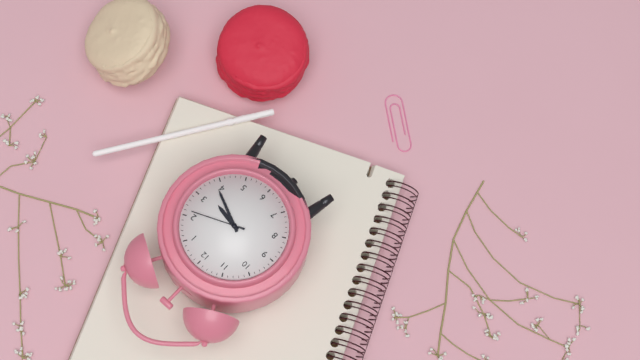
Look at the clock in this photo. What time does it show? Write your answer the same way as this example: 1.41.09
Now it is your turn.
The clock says 3.19.11
